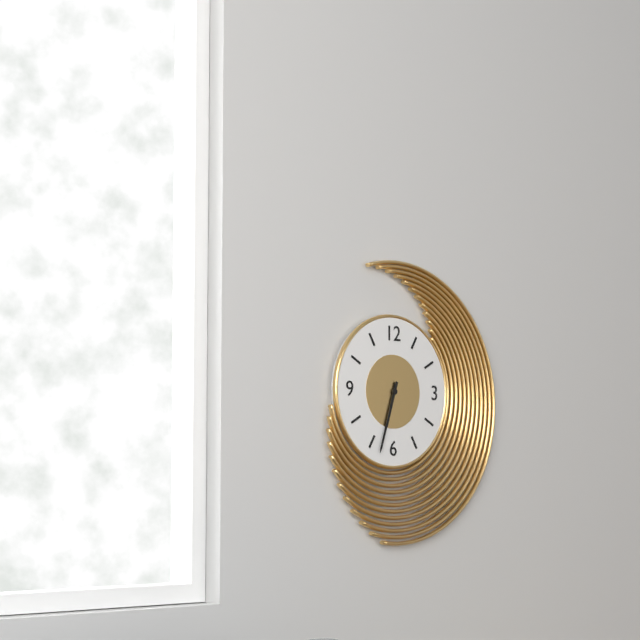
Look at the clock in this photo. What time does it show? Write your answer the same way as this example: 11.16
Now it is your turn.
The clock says 6.33
